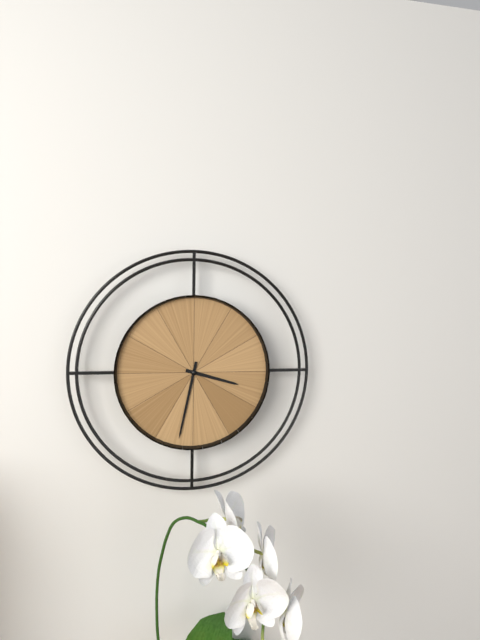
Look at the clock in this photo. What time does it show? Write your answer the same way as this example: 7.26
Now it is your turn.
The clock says 3.32
